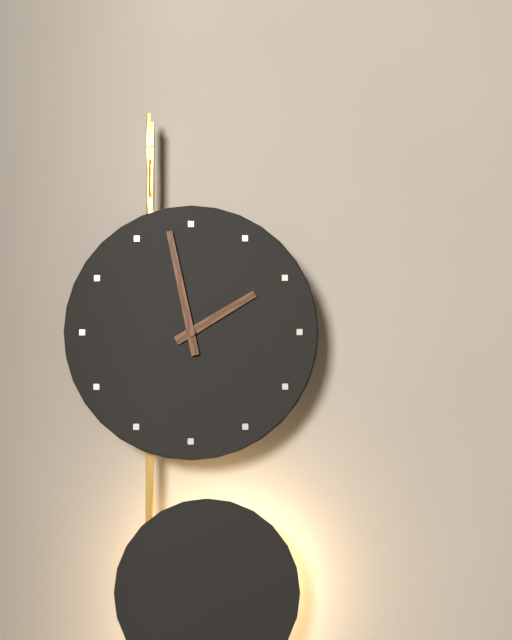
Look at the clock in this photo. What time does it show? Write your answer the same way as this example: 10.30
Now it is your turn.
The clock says 1.58
